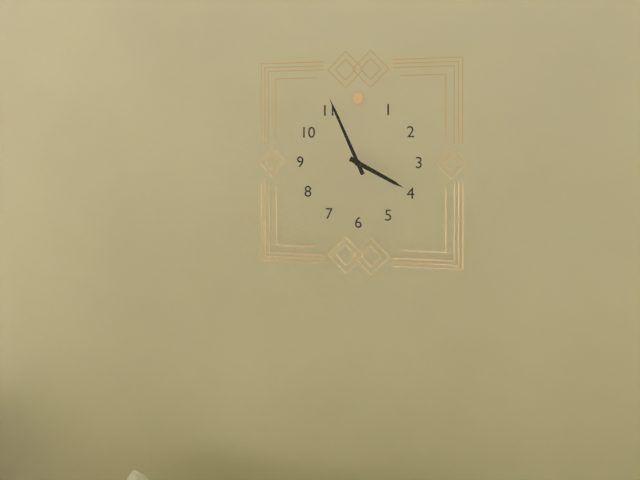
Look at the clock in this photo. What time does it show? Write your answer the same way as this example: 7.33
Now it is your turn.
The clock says 3.56
